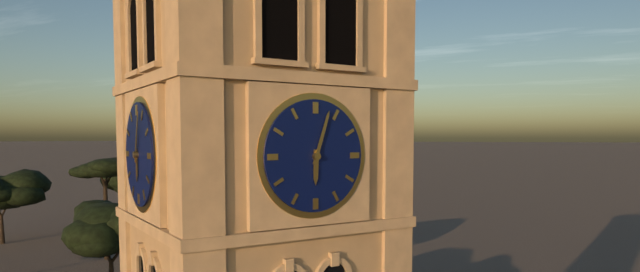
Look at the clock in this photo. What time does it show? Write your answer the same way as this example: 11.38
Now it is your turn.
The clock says 6.03
